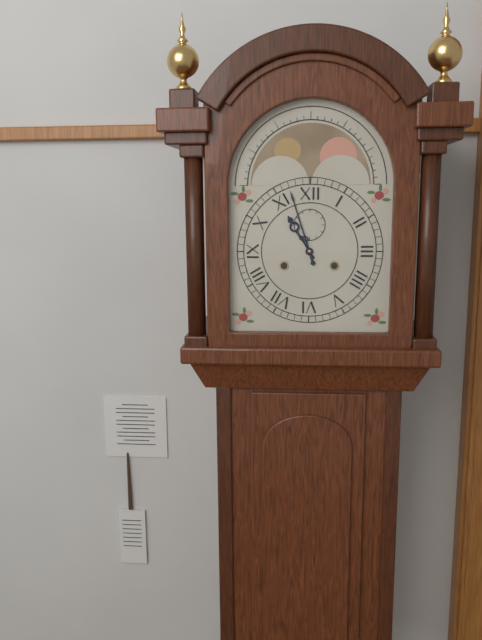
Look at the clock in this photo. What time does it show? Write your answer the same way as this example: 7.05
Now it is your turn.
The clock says 10.57
